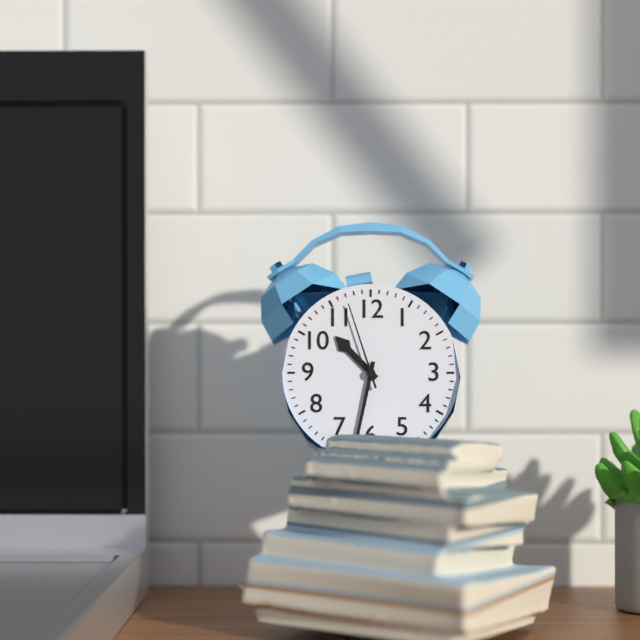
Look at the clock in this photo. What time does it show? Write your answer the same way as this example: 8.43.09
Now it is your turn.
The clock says 10.32.57
